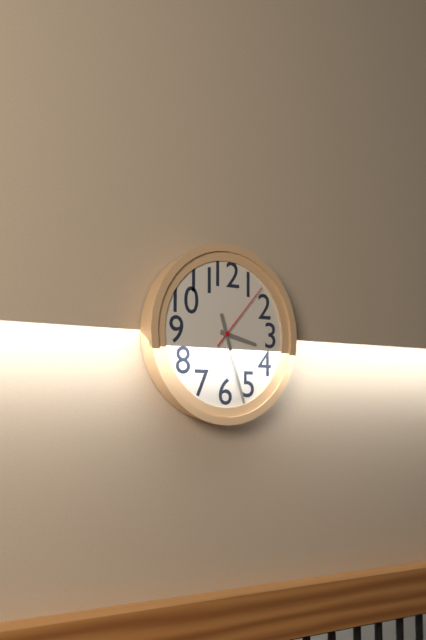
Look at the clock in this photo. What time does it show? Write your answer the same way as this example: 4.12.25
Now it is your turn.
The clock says 3.27.07
